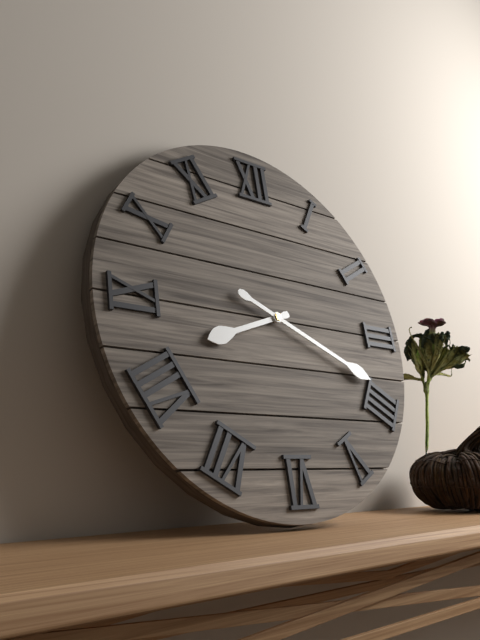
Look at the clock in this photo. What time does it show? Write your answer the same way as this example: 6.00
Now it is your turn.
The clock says 8.19
